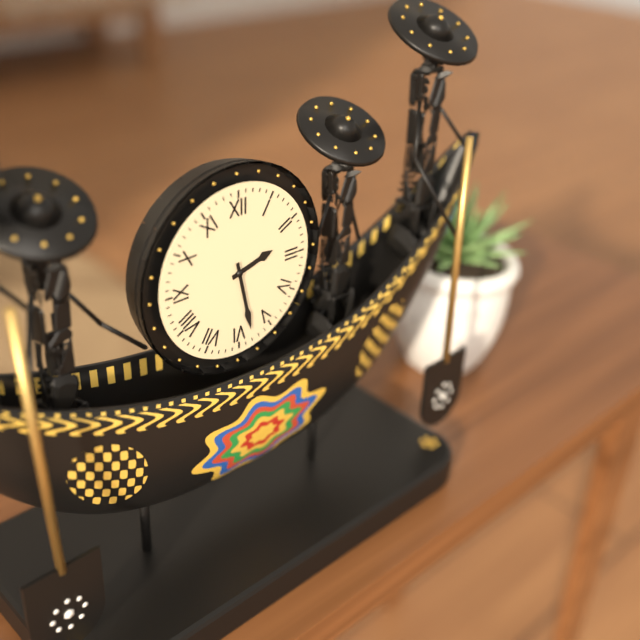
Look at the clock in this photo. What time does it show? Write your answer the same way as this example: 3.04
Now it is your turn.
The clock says 2.28
